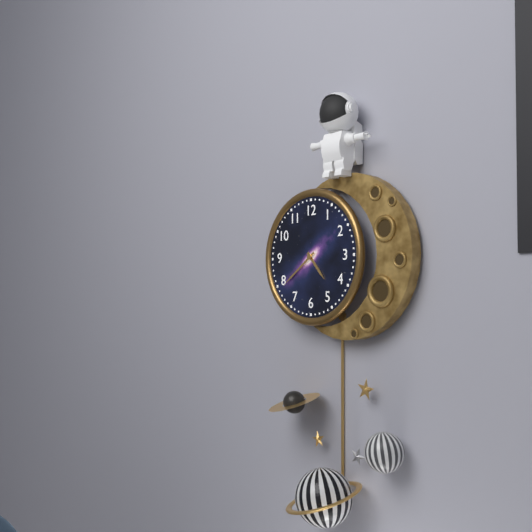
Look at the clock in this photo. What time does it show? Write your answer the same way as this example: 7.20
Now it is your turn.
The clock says 4.39
